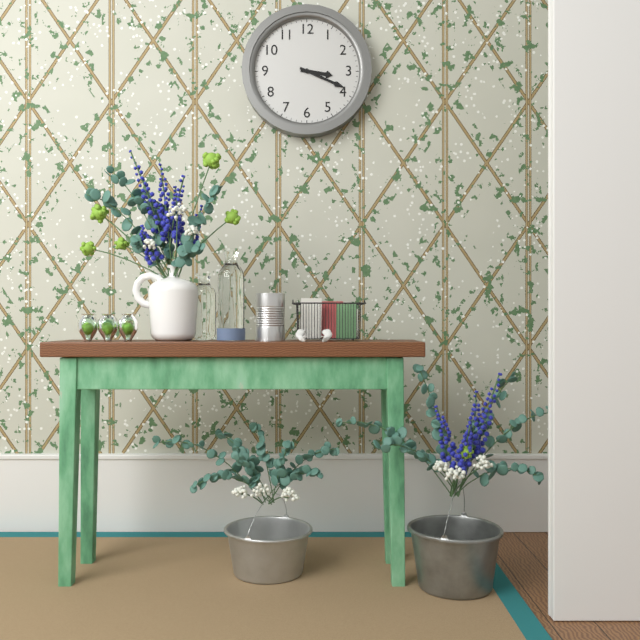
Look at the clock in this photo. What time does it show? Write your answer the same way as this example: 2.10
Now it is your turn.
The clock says 3.19
